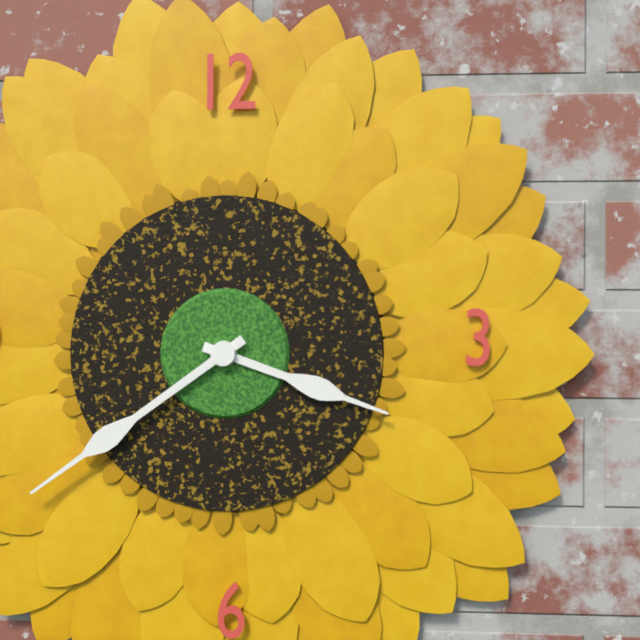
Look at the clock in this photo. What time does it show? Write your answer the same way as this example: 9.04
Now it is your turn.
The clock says 3.39
